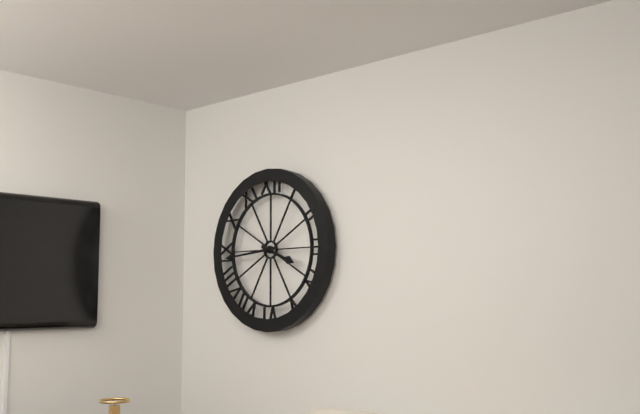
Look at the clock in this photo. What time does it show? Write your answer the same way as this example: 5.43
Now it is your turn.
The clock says 3.44
